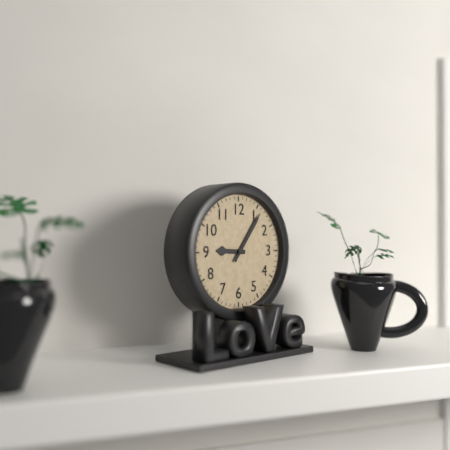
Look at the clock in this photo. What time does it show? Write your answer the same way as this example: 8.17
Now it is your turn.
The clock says 9.06
